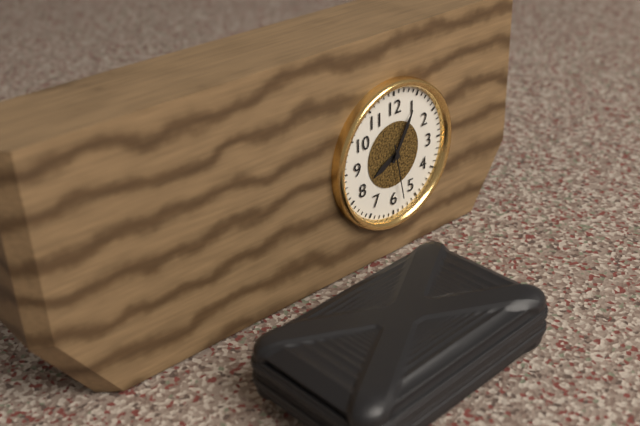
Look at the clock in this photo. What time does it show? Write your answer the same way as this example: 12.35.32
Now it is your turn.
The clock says 8.05.28
